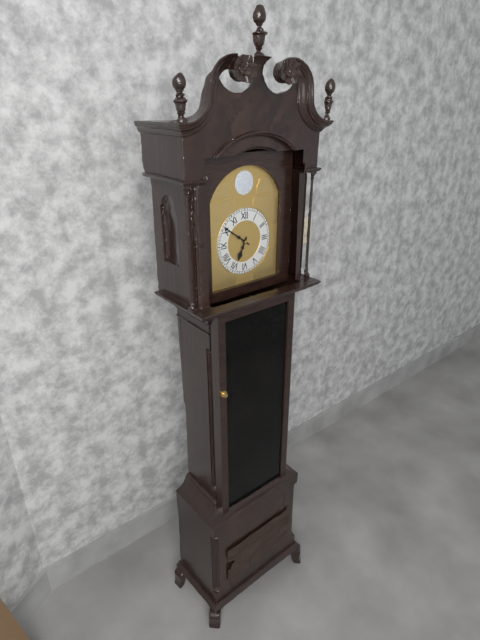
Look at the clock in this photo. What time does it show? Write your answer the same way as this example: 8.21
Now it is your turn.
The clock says 6.51
